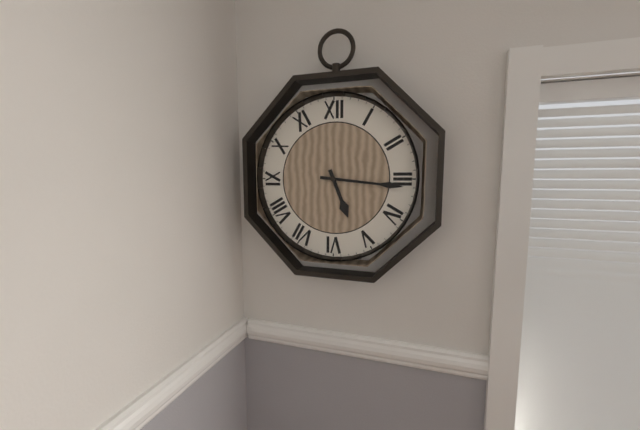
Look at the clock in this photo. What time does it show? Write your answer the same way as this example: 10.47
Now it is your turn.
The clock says 5.16
